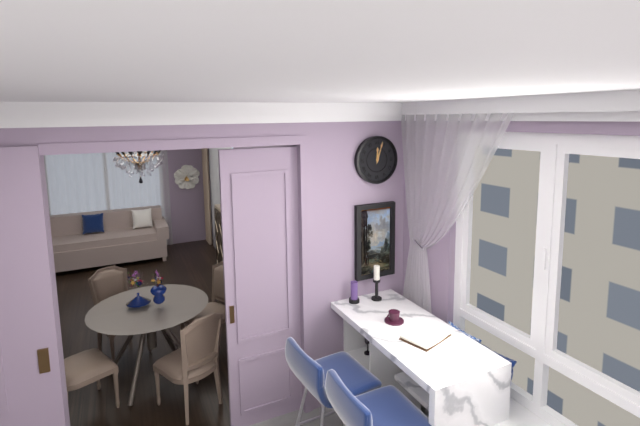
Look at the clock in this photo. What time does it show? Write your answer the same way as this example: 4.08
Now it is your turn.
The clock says 12.03
